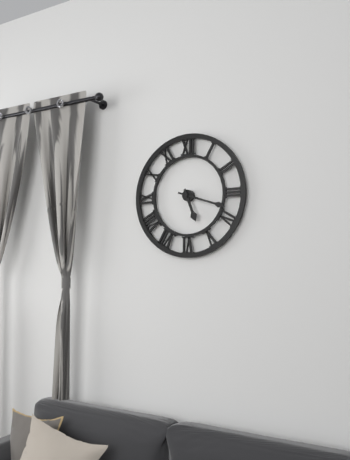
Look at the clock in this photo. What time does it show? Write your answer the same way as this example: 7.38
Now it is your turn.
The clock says 5.18
